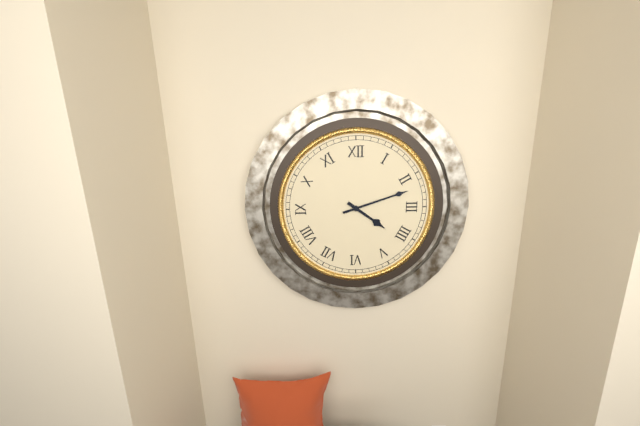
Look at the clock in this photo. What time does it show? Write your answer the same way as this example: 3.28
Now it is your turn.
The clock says 4.12
